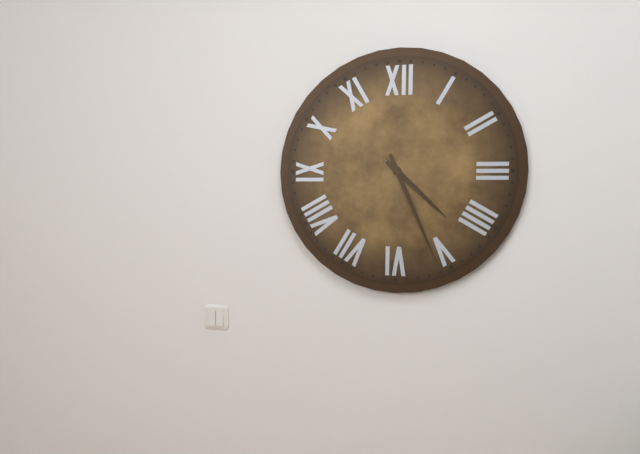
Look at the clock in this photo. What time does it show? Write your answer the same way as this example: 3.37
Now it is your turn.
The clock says 4.26
